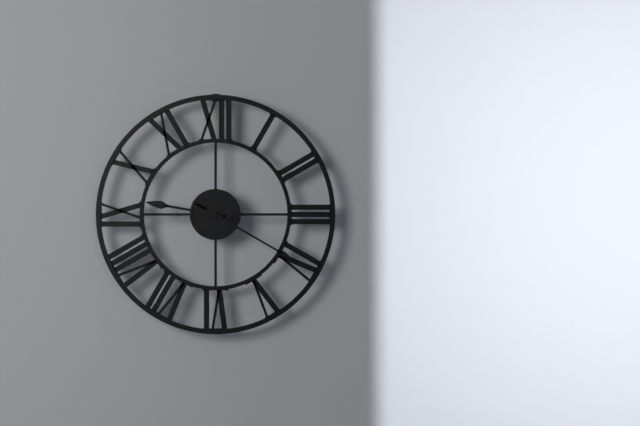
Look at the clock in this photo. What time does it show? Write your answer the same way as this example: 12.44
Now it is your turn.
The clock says 9.20
